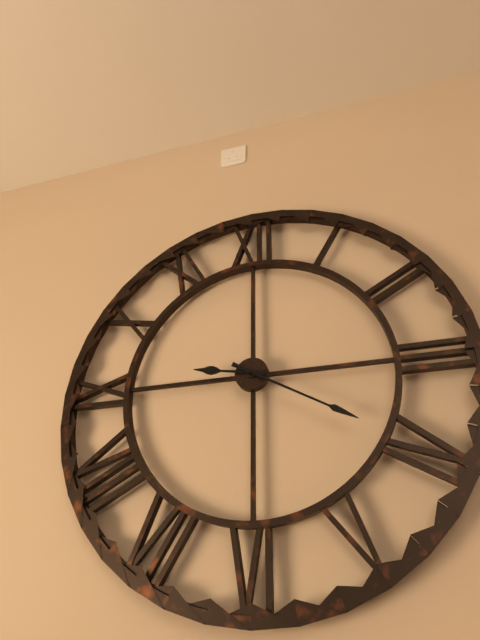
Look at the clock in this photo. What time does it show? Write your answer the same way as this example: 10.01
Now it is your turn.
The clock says 9.20
